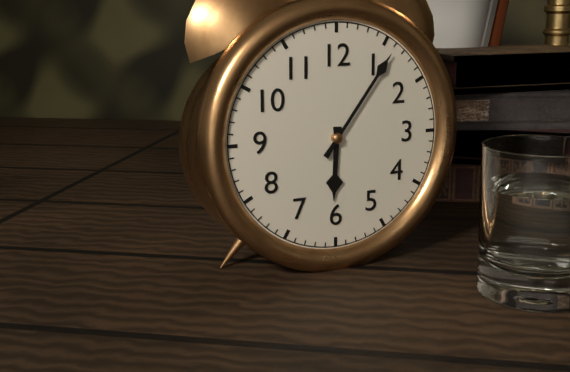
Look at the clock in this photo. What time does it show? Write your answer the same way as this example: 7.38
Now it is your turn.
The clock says 6.06
